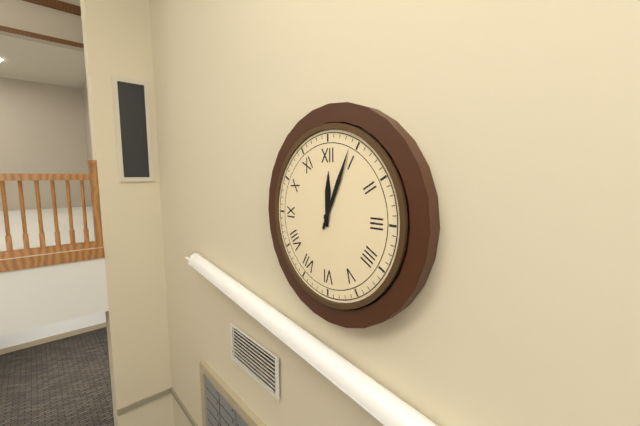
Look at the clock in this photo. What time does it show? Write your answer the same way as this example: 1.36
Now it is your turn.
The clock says 12.04
